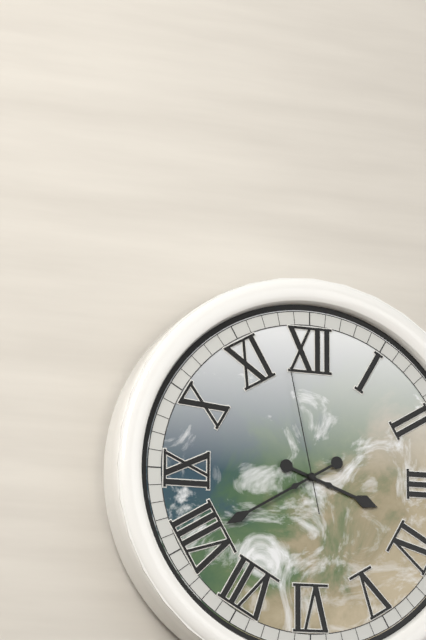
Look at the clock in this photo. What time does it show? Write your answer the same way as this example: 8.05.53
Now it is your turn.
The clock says 3.40.58
